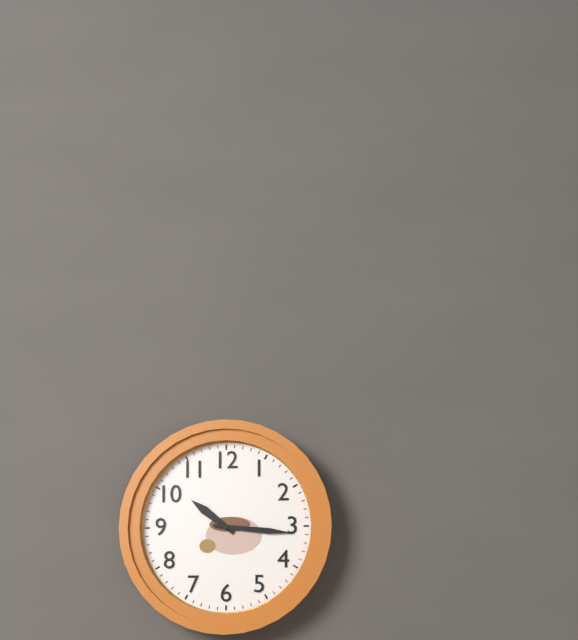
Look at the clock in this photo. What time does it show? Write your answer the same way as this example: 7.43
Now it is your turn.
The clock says 10.16
